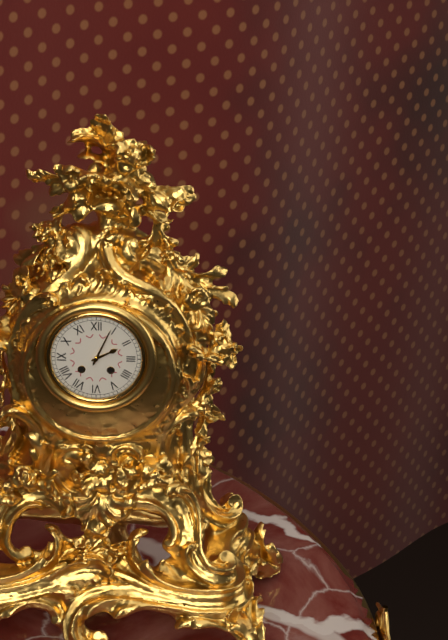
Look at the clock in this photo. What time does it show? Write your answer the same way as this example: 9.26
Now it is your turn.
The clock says 2.04
